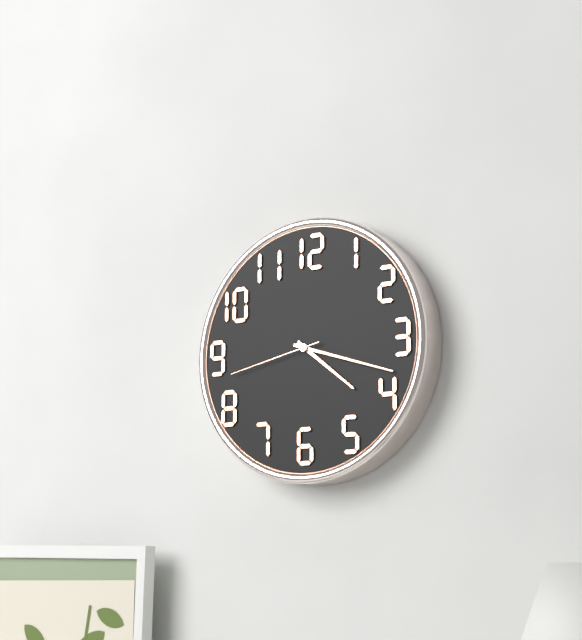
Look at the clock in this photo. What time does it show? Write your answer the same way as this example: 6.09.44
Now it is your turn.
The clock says 4.18.43
